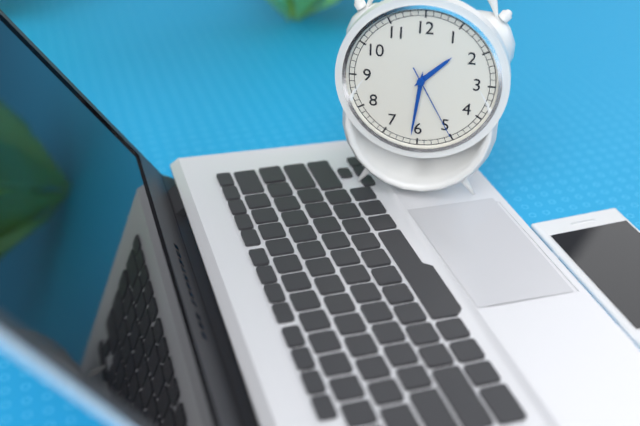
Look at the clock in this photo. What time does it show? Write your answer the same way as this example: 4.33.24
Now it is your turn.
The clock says 1.31.25
